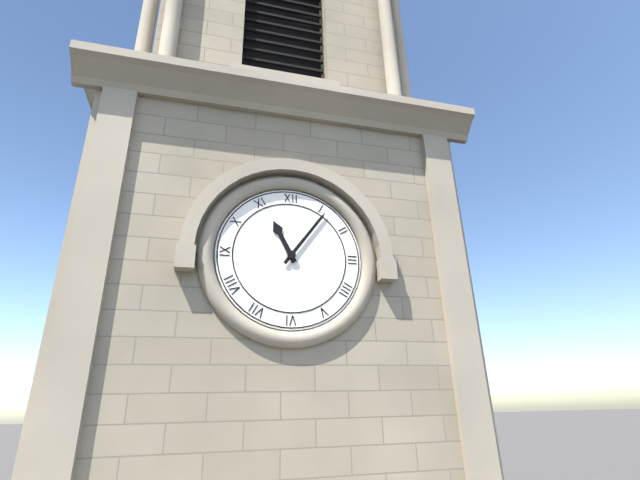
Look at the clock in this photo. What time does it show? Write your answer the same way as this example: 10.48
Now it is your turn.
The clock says 11.06
